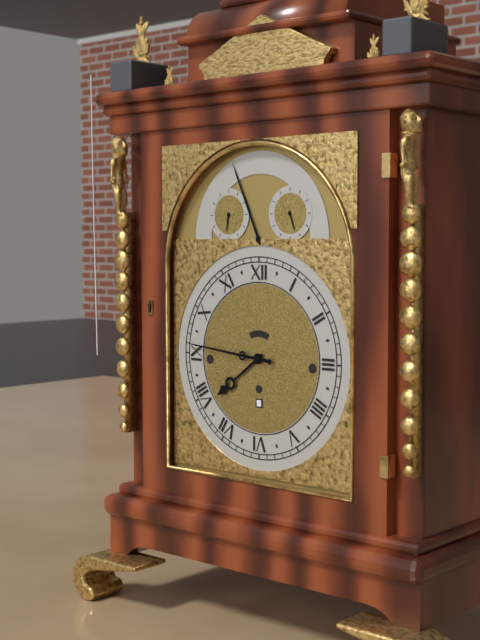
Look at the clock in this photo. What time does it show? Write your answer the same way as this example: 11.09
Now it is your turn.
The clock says 7.46
